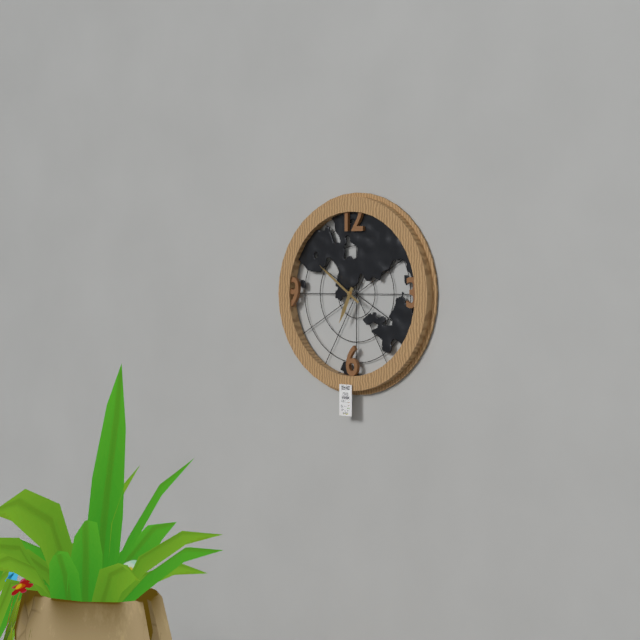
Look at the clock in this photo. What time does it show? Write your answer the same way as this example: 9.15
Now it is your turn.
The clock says 6.51
